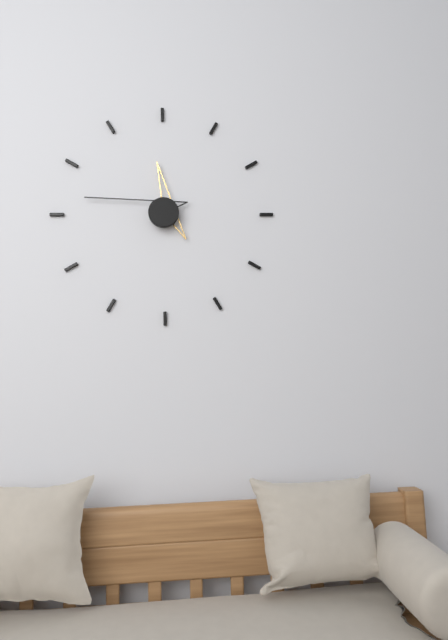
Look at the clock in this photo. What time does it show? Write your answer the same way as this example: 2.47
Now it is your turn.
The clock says 11.47
